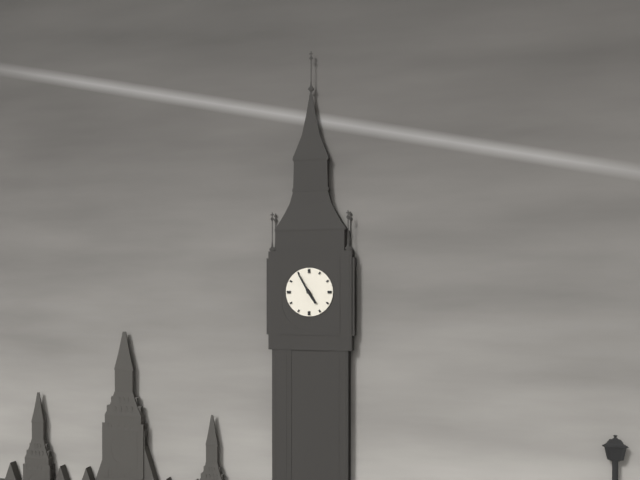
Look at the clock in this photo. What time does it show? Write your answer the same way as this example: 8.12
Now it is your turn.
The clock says 4.55
